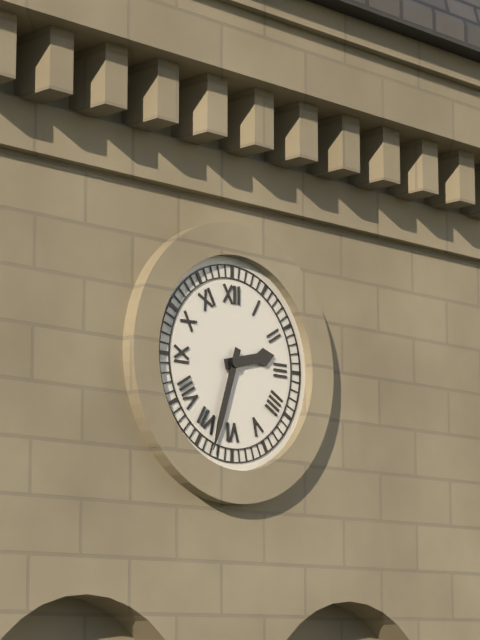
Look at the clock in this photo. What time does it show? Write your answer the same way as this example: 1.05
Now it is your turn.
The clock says 2.33
